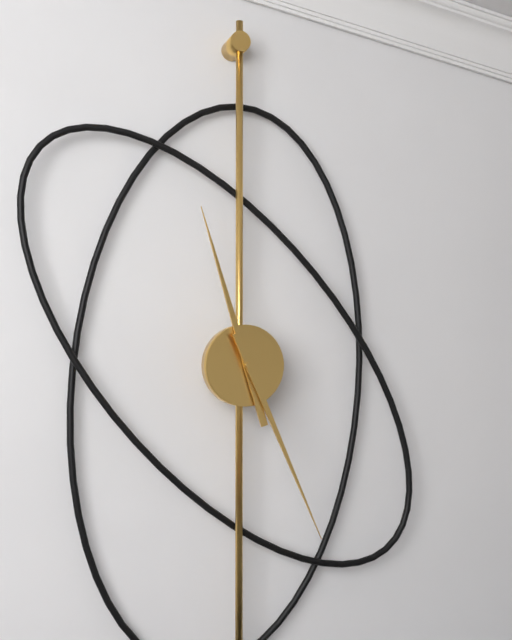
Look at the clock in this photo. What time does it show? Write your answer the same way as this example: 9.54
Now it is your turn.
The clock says 11.26
